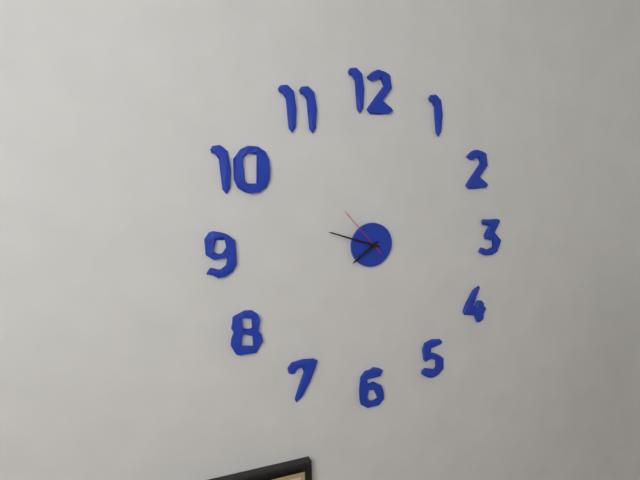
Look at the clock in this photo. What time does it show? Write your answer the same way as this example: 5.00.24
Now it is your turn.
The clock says 7.48.53
